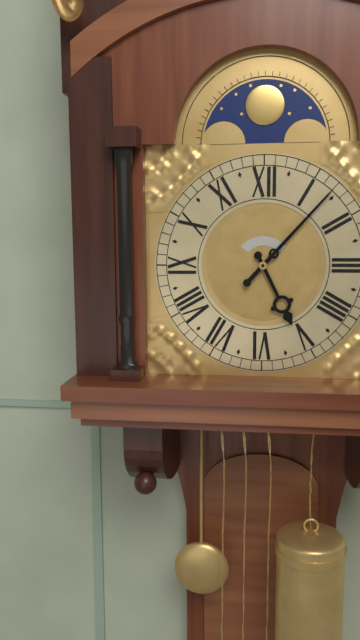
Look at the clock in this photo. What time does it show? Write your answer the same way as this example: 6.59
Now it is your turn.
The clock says 5.07
